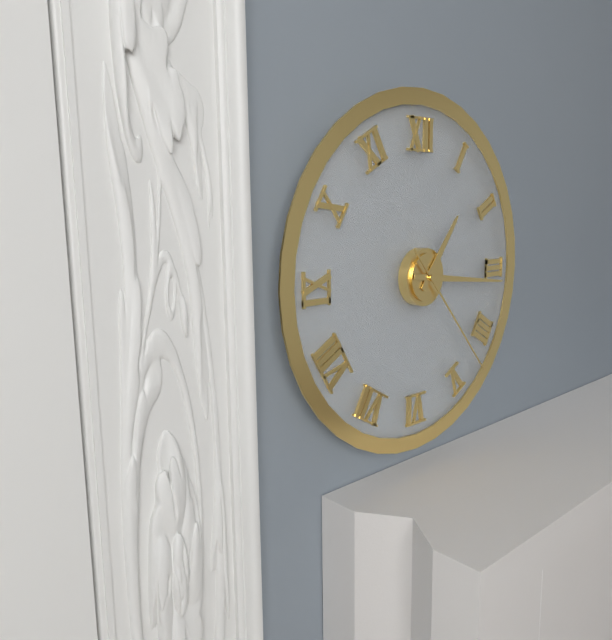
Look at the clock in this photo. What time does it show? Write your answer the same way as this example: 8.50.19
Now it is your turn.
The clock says 1.16.23
